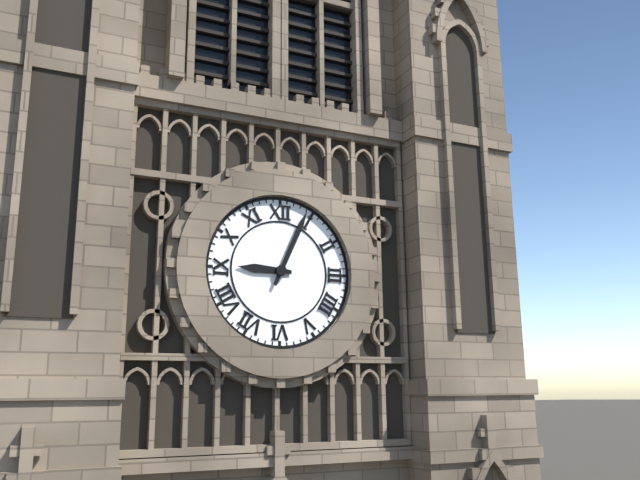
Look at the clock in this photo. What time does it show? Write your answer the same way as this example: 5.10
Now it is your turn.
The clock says 9.04
